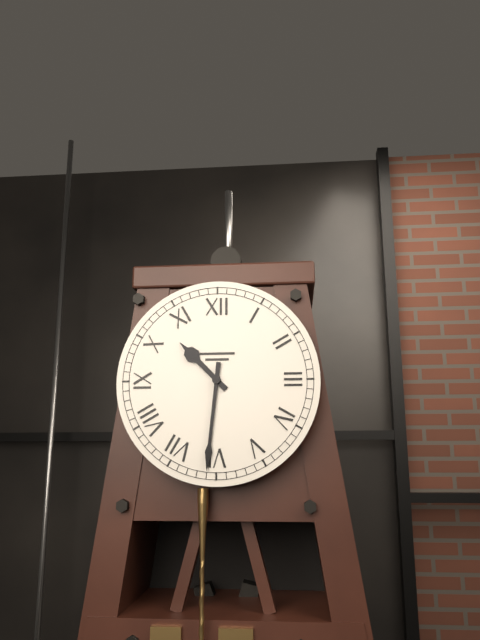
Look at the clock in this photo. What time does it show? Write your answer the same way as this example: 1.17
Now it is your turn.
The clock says 10.31
